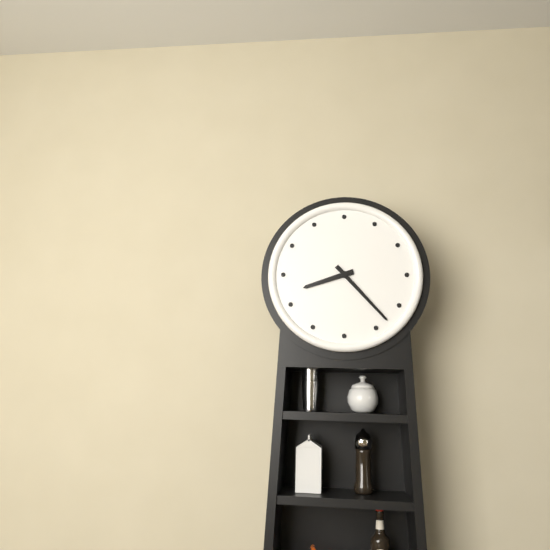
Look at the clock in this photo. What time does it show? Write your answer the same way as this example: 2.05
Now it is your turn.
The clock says 8.23
